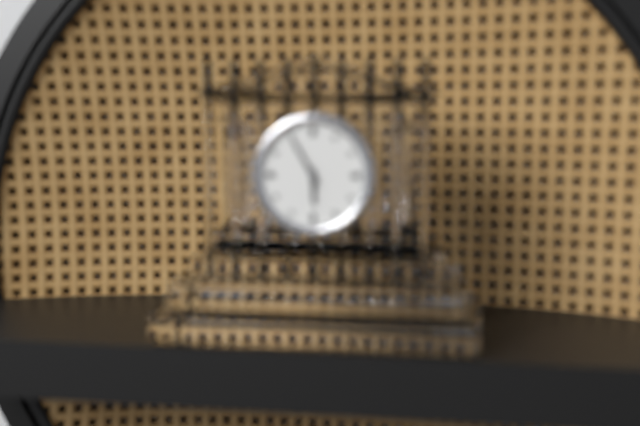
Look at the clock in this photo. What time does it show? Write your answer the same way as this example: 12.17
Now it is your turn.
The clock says 5.55
